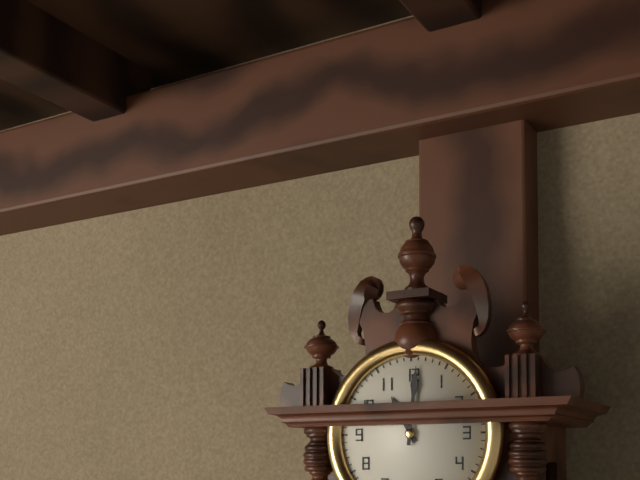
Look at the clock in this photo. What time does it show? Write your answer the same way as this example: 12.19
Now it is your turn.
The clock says 11.01
